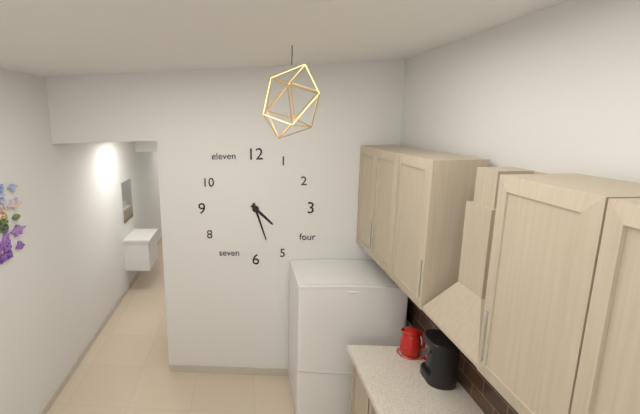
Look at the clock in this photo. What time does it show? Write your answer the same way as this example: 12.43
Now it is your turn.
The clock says 4.27
